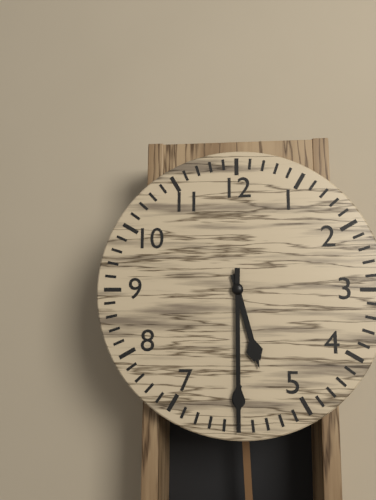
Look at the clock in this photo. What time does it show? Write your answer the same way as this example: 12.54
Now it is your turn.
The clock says 5.30
